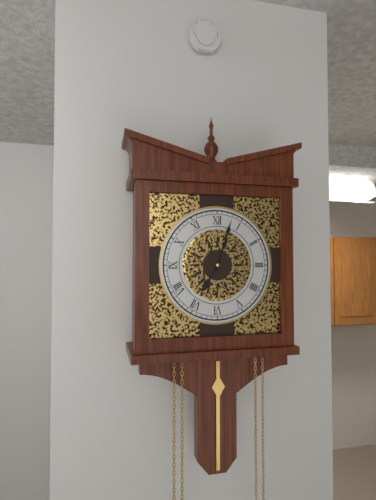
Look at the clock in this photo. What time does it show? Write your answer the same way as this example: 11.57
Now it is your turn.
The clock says 7.03
